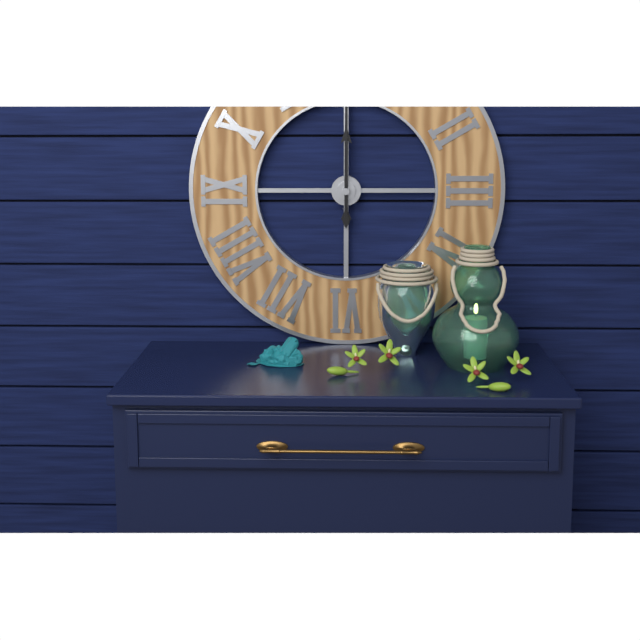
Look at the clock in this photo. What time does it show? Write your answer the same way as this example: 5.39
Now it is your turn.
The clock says 12.00
